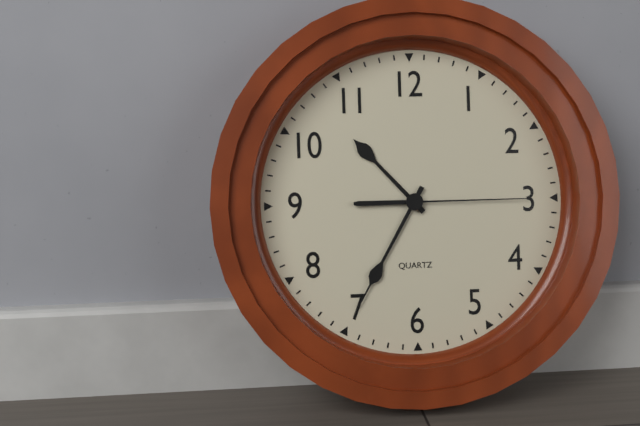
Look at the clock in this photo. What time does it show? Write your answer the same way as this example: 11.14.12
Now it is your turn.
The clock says 10.35.15
